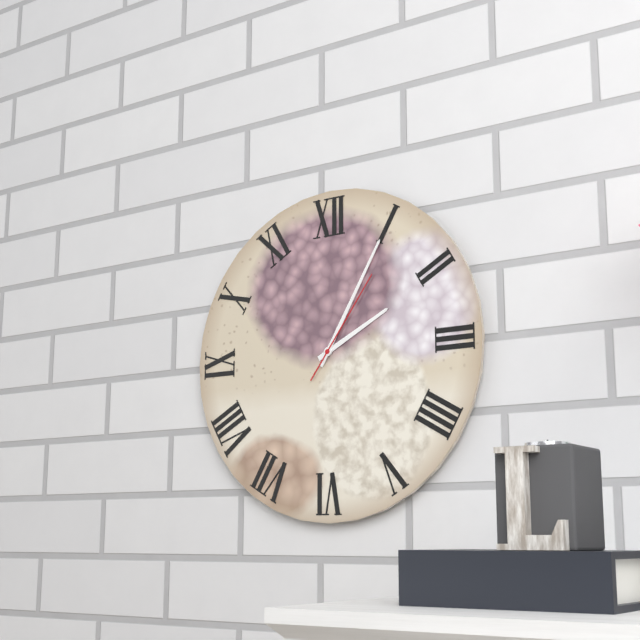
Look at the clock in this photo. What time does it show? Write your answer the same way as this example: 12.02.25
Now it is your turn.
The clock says 2.05.06
